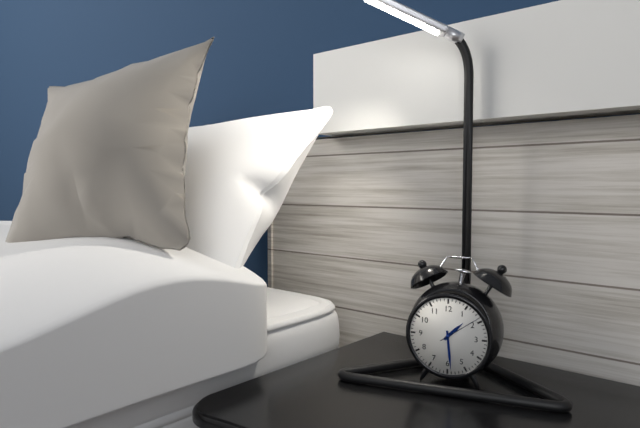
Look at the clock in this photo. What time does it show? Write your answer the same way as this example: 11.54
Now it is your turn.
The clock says 1.29
